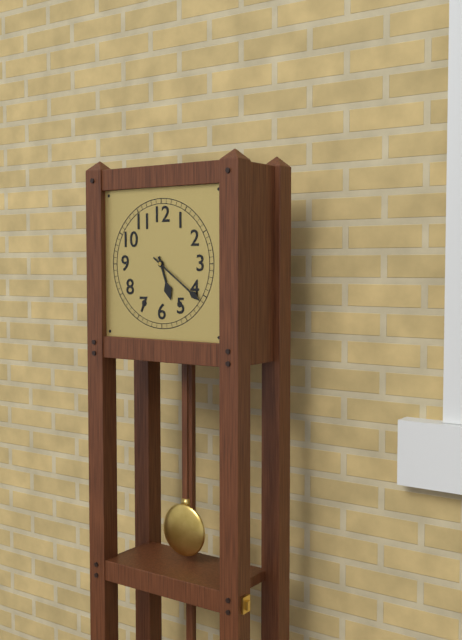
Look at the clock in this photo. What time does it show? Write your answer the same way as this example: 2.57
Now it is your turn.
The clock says 5.21
